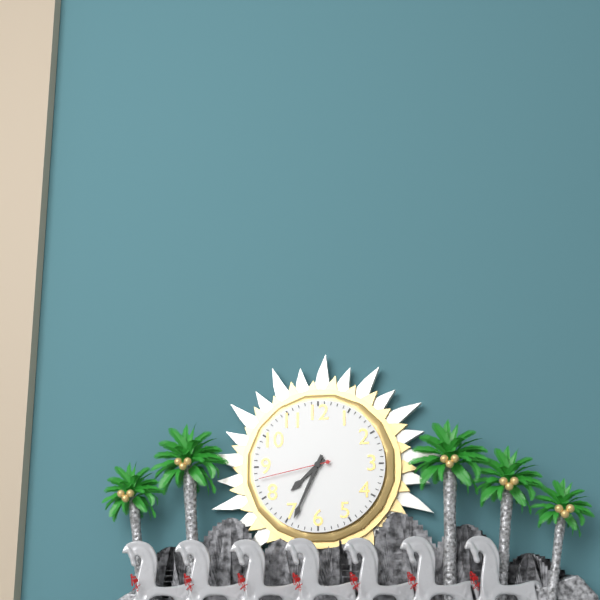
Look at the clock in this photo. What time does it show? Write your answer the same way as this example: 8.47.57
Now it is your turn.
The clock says 7.34.43
